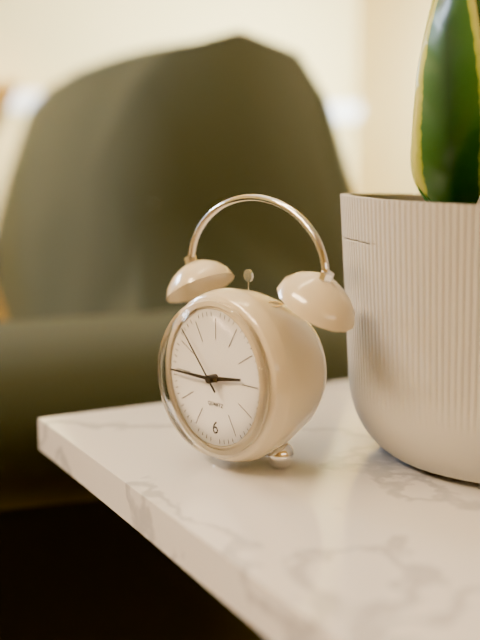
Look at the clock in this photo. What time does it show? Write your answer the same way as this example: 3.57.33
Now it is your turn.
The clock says 2.45.53
